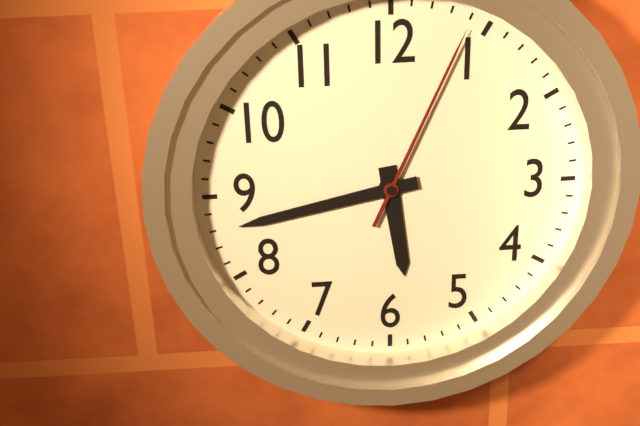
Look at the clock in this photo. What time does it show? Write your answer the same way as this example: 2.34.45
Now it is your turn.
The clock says 5.43.04
